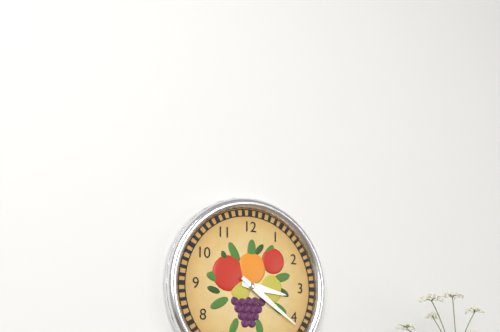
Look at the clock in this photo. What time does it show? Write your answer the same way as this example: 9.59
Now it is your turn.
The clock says 3.21
